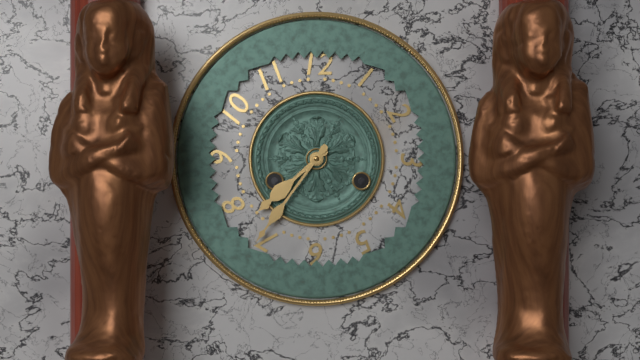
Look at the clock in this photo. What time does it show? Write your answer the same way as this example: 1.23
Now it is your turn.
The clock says 7.36
